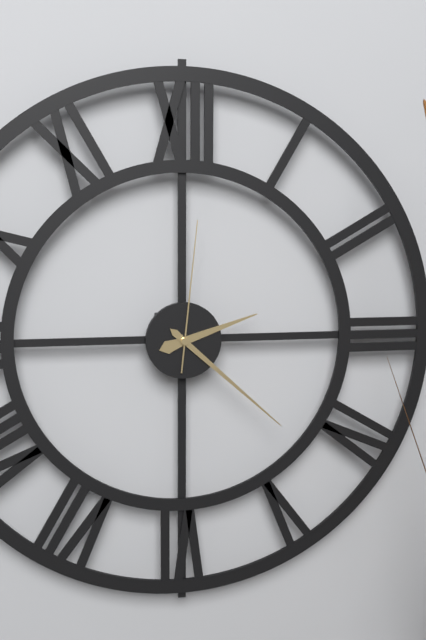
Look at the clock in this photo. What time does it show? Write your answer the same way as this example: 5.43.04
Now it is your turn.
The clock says 2.22.01
